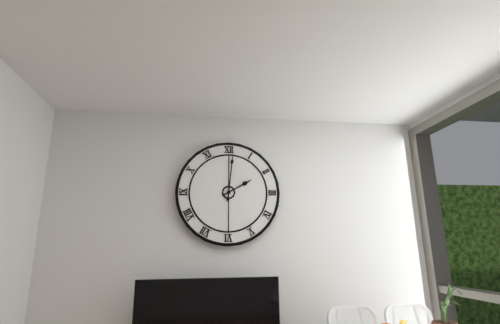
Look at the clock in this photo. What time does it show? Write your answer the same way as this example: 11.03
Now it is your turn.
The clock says 2.01
